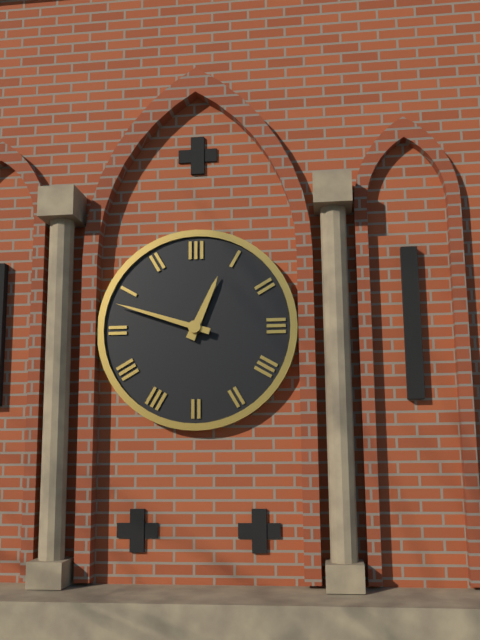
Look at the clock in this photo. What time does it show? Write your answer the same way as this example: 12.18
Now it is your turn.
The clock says 12.48
